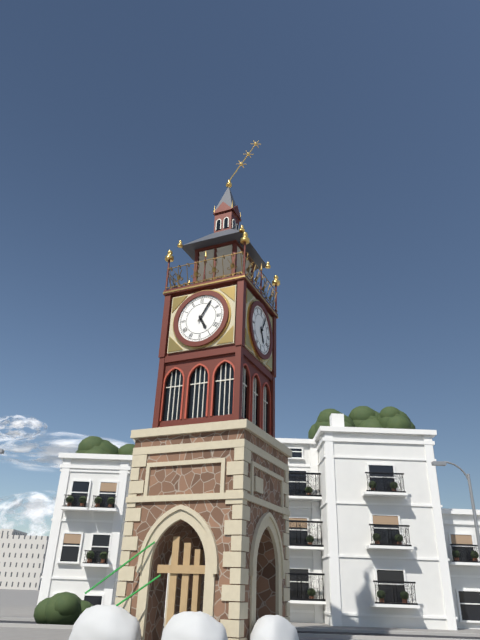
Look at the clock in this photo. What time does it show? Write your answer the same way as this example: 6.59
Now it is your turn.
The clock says 5.05
